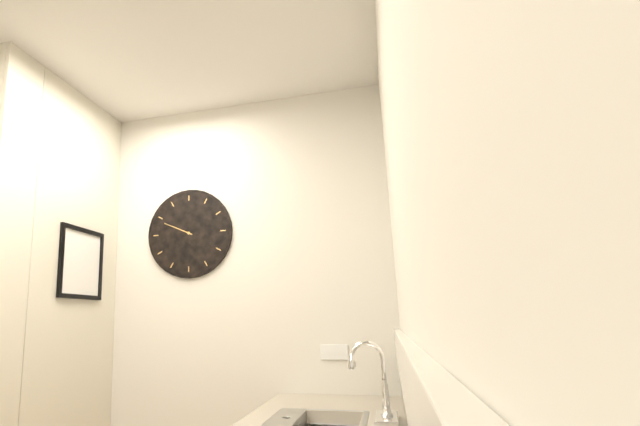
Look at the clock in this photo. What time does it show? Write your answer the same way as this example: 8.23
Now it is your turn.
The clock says 9.49
